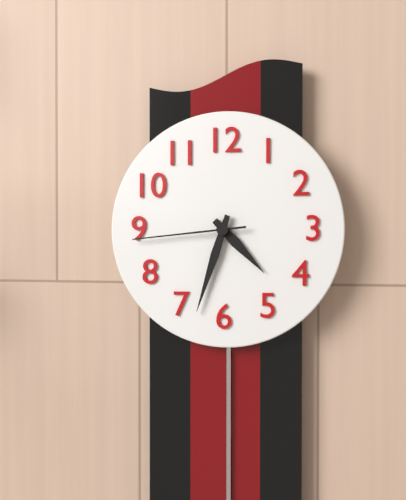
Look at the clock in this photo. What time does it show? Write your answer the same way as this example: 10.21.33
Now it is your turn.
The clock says 4.33.44
